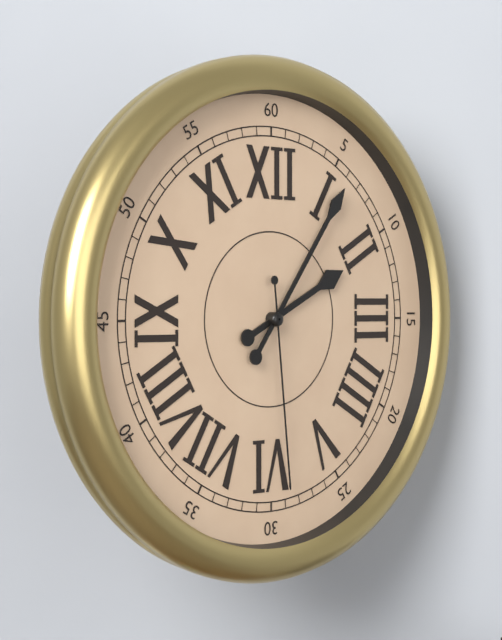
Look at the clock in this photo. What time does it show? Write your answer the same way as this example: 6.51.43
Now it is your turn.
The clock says 2.06.29
